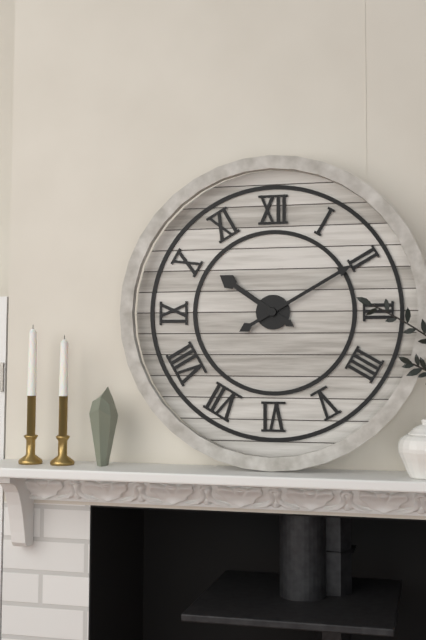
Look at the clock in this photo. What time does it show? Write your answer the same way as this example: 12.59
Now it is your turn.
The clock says 10.10
